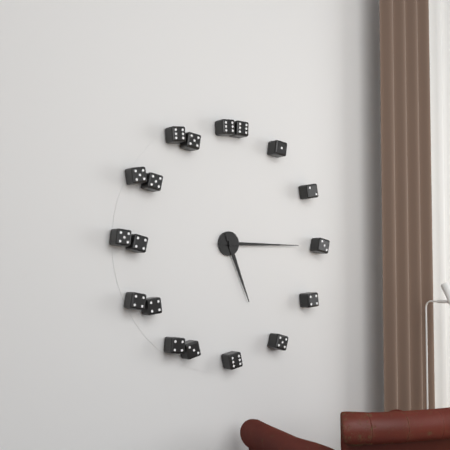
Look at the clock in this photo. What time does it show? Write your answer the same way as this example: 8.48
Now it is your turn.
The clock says 5.15
